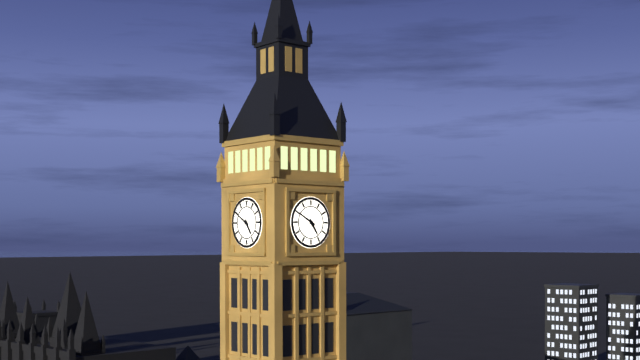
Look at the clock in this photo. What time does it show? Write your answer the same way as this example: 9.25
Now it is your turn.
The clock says 4.50
